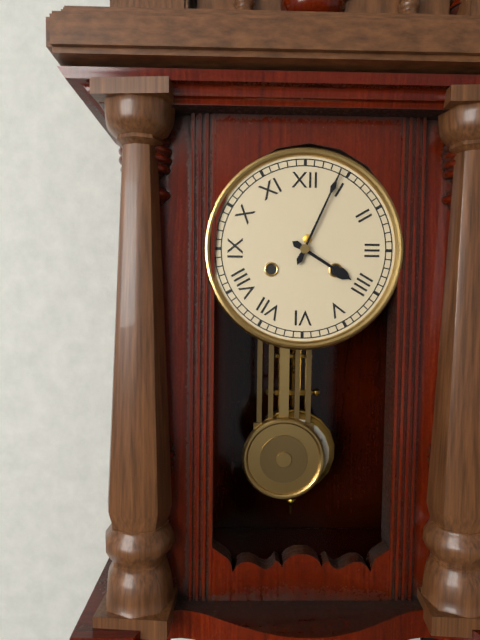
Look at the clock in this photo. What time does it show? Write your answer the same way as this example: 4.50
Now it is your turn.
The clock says 4.04
